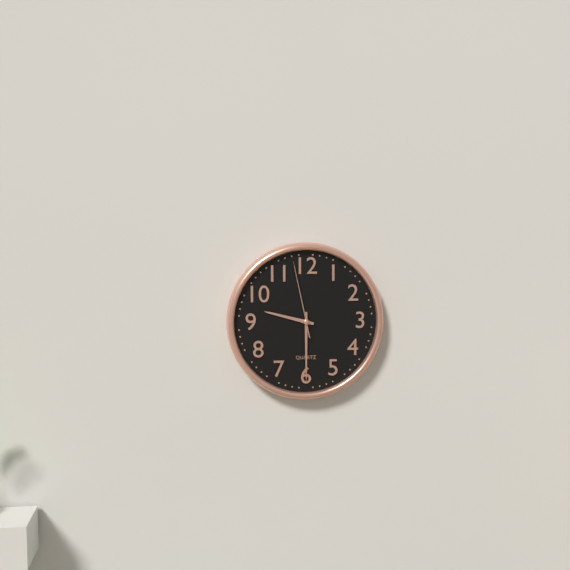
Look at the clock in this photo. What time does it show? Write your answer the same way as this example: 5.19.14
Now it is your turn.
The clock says 9.30.58
